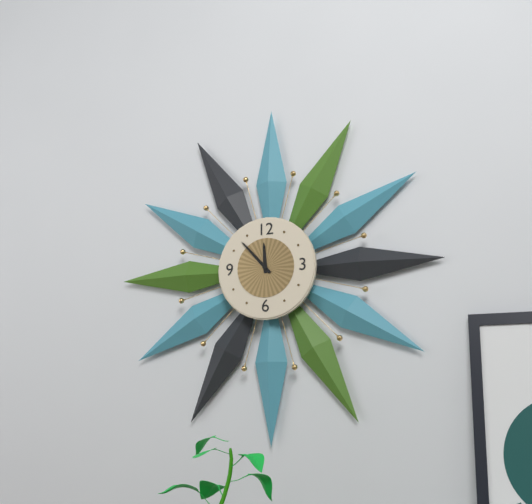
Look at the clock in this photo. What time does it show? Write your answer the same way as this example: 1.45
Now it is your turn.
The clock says 11.53
